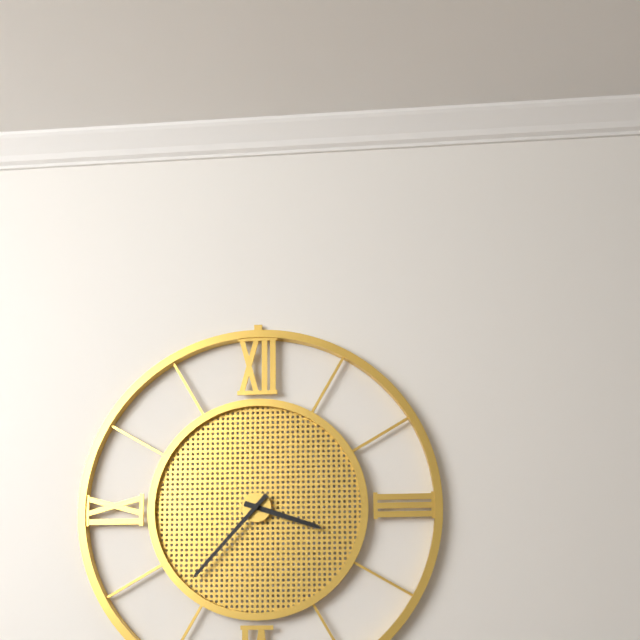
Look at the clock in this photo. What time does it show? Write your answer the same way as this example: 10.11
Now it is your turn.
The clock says 3.37
